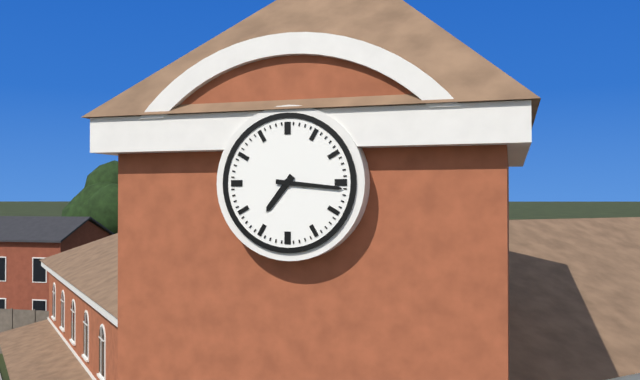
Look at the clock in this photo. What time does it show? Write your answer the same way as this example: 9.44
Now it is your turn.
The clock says 7.16
